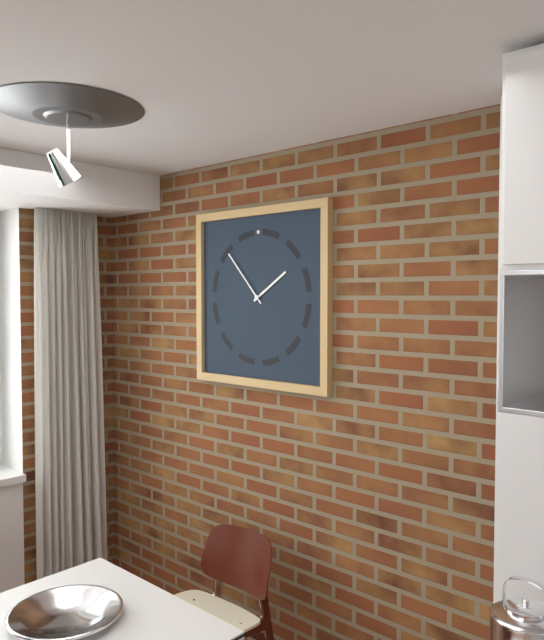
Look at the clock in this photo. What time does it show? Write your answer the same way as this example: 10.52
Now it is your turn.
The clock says 1.53
